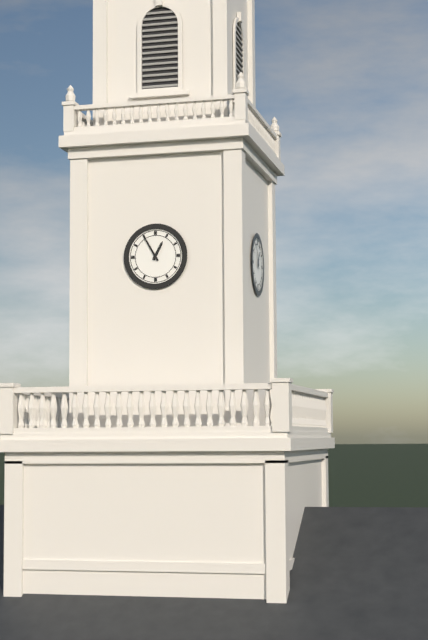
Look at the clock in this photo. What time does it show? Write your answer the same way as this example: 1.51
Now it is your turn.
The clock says 12.55
